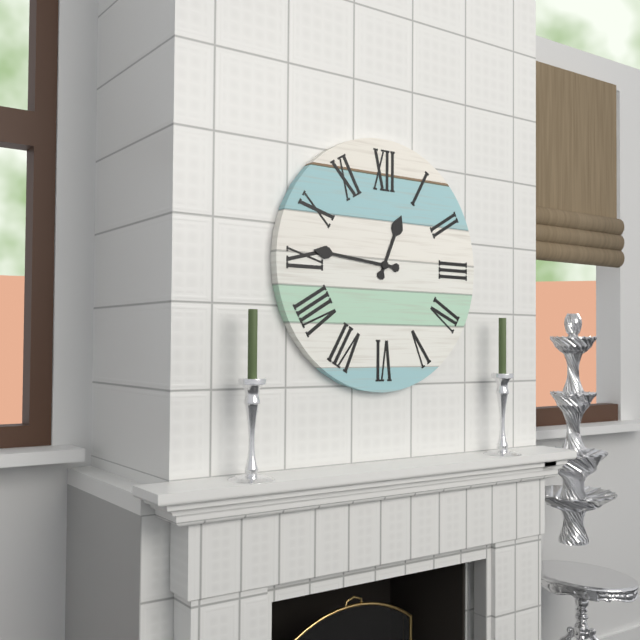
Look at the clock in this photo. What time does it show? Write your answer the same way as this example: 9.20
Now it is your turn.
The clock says 12.46
